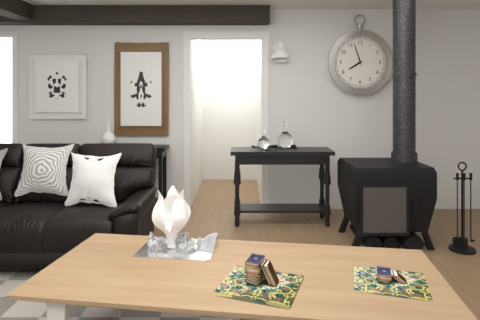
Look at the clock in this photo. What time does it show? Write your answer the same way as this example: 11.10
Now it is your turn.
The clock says 7.57
